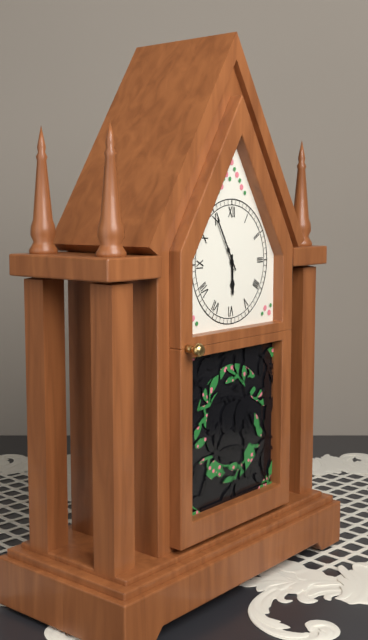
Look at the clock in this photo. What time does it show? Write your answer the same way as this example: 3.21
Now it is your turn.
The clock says 5.55
